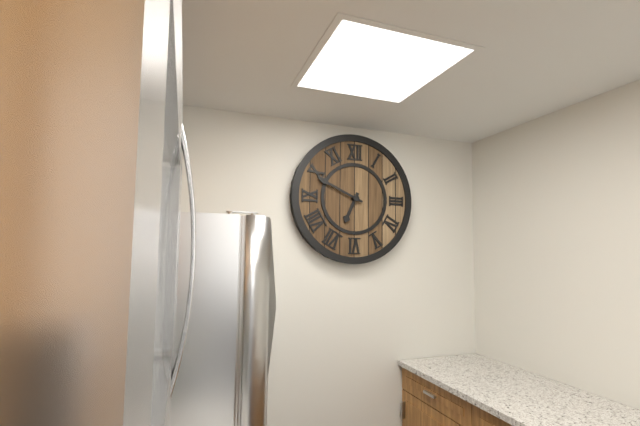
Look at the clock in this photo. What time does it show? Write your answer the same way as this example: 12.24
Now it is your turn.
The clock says 6.49
